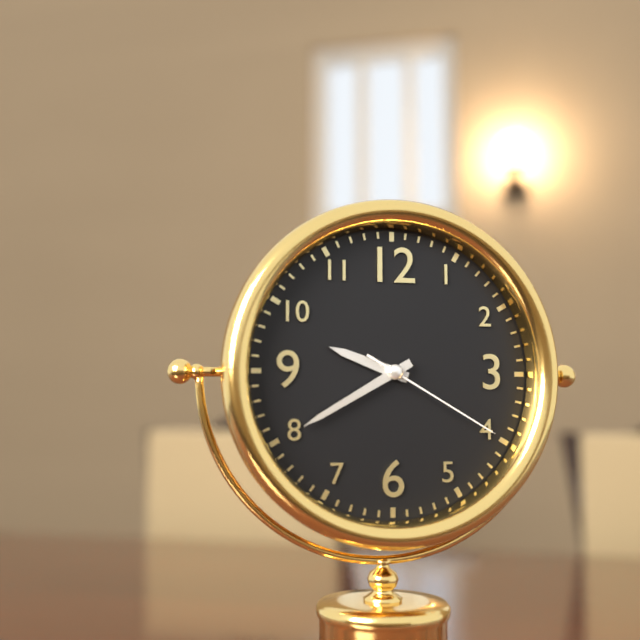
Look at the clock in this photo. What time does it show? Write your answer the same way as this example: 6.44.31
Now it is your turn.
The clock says 9.40.20
